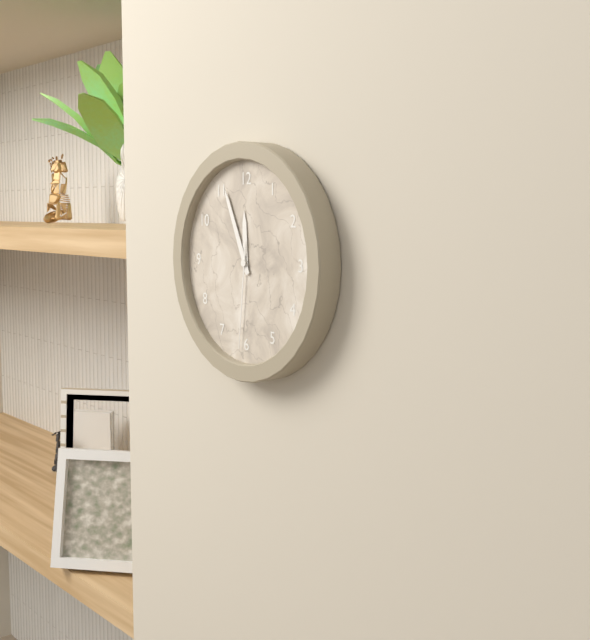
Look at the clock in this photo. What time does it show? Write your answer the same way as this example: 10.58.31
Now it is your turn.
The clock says 11.56.31
